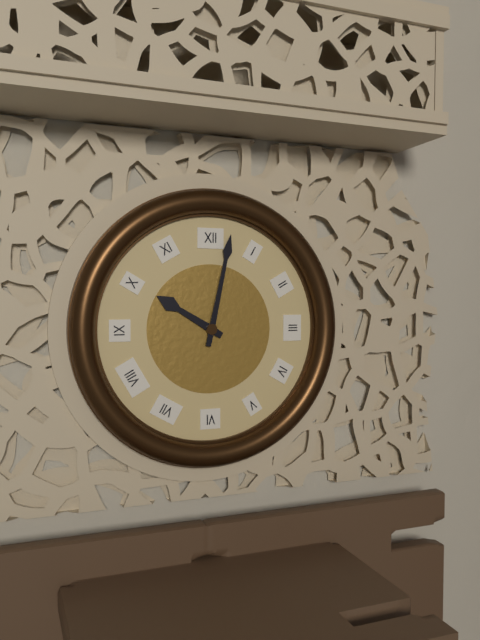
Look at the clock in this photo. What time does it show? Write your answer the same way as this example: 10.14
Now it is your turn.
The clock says 10.02
